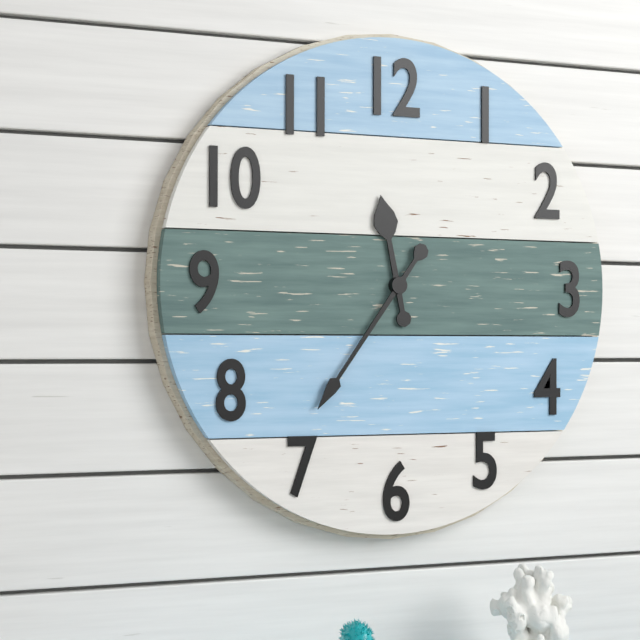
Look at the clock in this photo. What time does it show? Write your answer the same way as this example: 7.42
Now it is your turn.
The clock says 11.36
